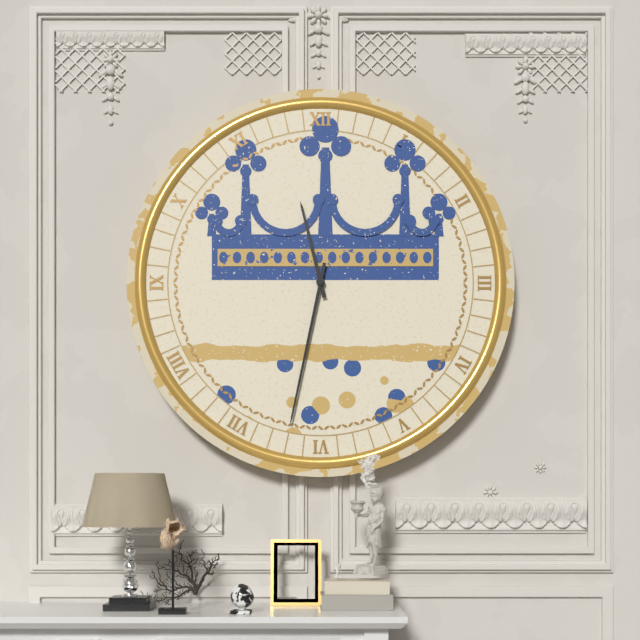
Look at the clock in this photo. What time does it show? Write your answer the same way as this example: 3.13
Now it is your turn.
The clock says 11.32
